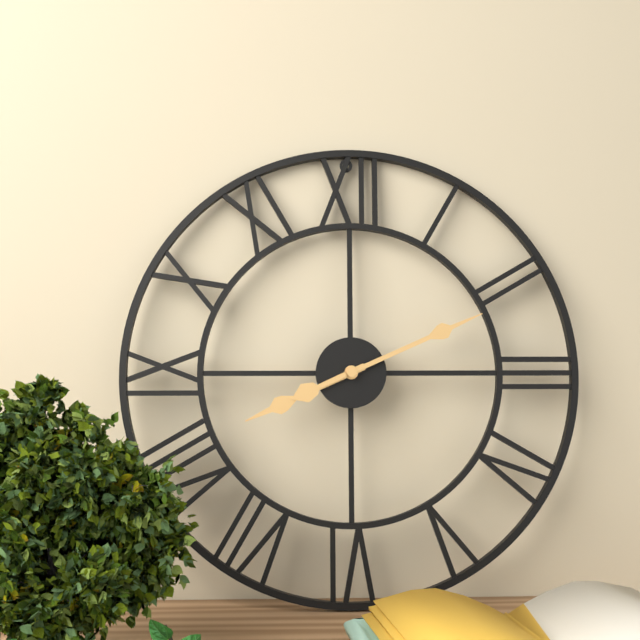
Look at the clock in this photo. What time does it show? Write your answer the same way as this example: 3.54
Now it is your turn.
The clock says 8.11
